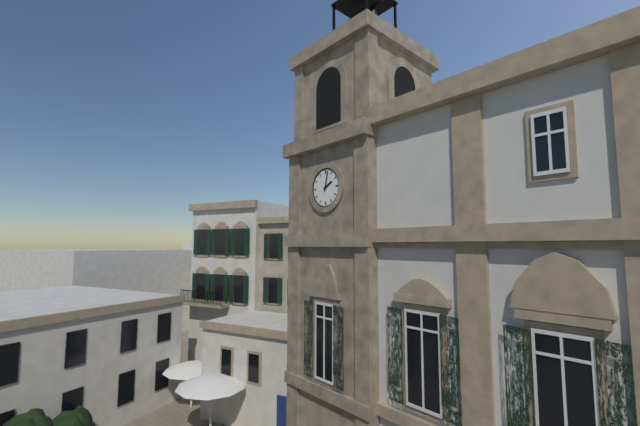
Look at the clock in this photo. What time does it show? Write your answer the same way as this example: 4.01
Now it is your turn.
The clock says 2.02
